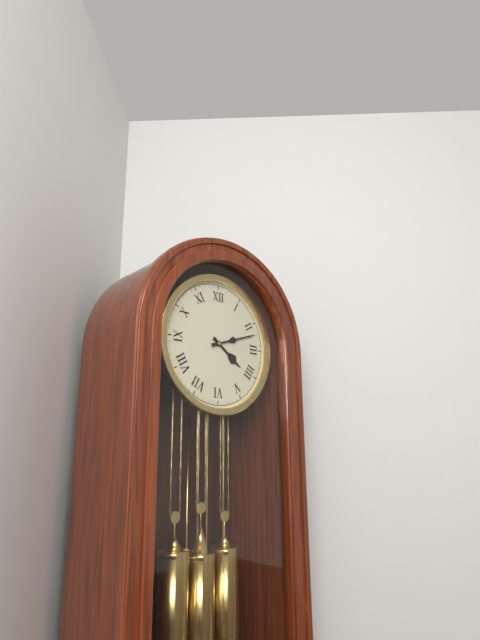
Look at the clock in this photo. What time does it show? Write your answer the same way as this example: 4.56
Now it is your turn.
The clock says 4.12
